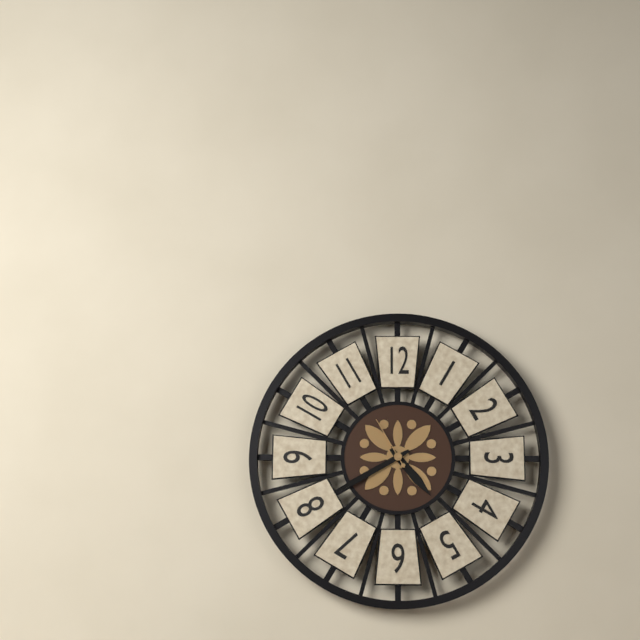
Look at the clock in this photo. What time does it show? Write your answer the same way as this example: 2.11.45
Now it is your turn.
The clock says 4.40.55
